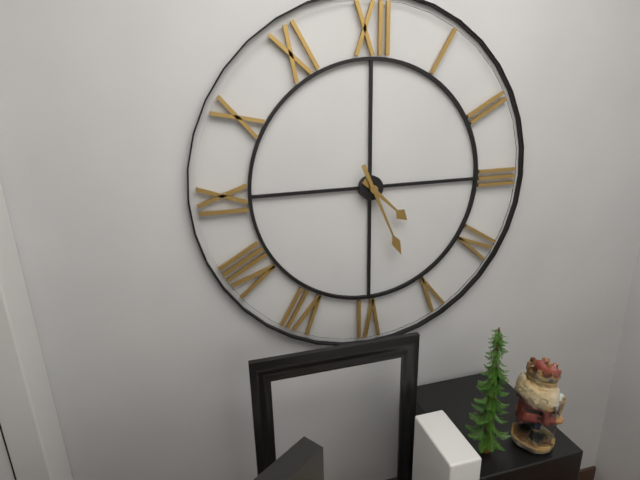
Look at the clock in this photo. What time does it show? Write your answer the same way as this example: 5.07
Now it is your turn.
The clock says 4.26
